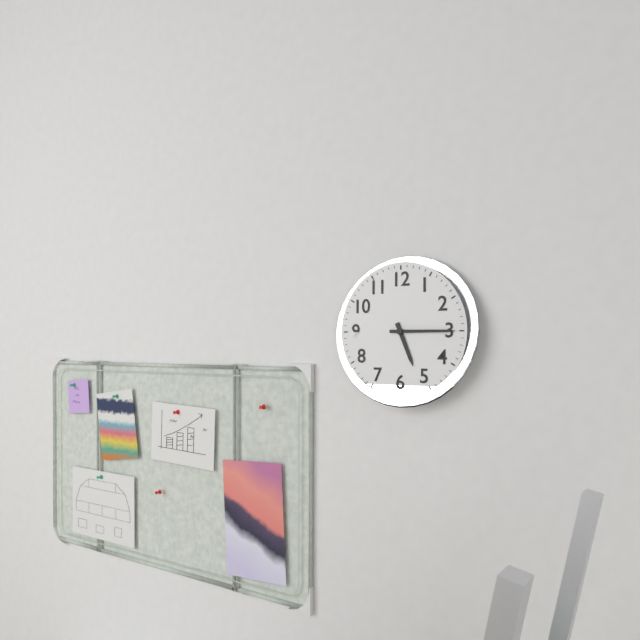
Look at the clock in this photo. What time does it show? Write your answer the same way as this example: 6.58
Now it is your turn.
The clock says 5.15
